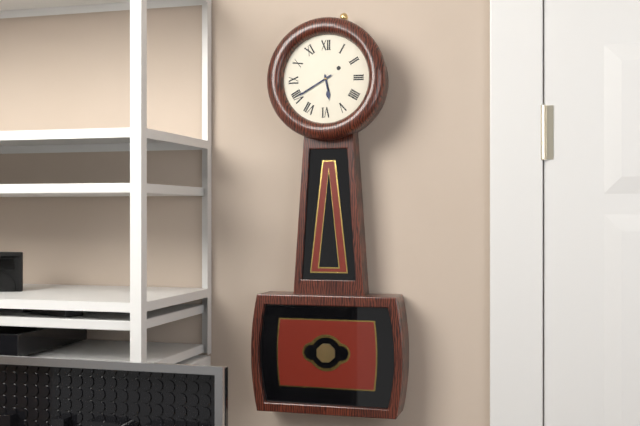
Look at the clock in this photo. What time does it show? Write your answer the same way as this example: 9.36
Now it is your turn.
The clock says 5.40
